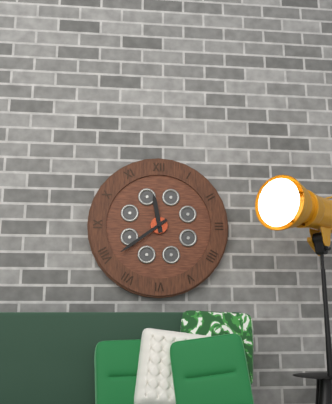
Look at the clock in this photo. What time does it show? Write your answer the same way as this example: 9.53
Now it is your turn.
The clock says 11.39
